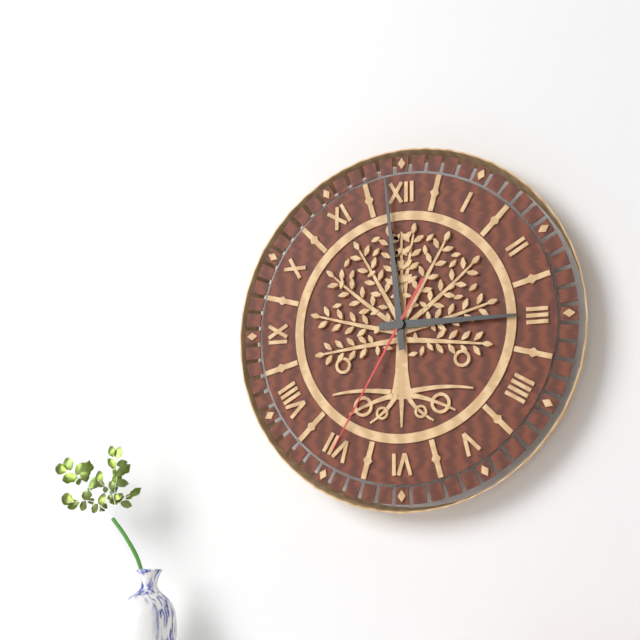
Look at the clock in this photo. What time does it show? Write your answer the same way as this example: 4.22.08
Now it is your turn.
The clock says 2.59.35
